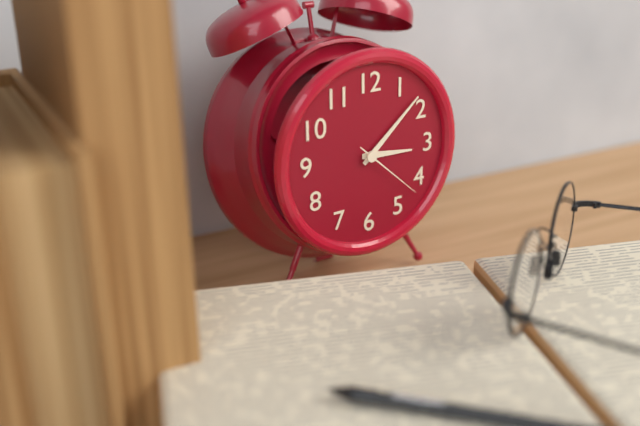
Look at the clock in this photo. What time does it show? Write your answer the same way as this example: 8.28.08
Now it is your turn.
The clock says 3.08.22
